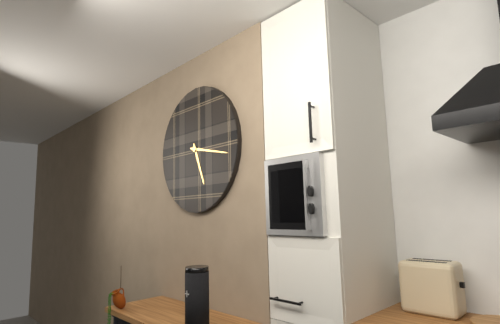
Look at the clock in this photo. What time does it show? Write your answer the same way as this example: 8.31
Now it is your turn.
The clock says 5.17
